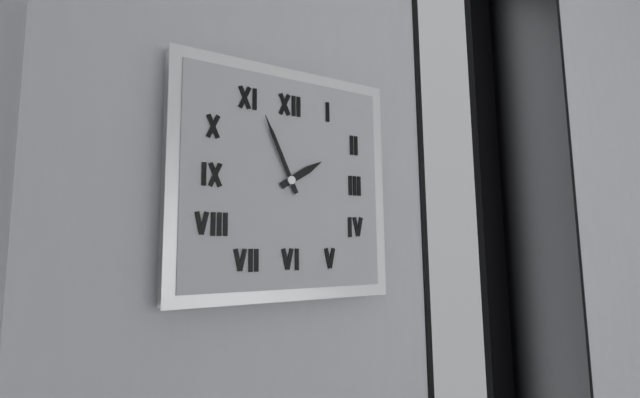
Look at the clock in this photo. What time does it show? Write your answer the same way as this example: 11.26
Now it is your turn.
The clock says 1.56
